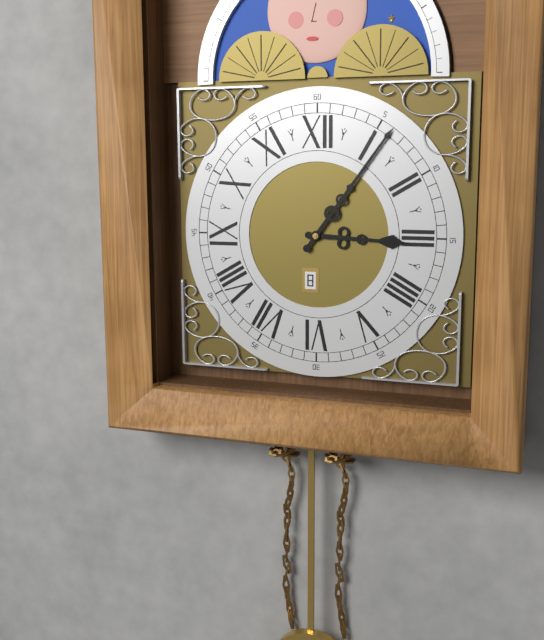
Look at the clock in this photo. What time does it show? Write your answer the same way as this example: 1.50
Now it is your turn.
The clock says 3.06
